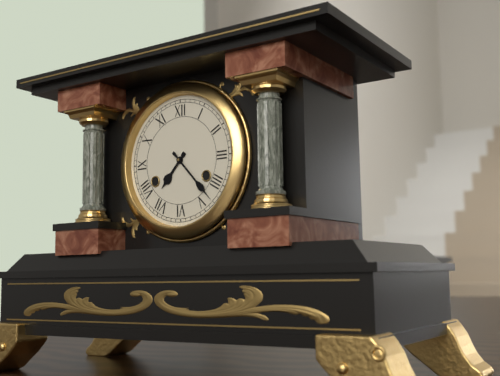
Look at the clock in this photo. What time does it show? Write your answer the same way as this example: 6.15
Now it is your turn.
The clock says 7.23
